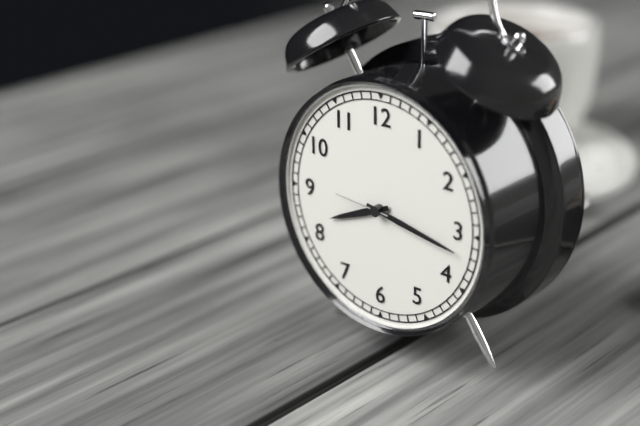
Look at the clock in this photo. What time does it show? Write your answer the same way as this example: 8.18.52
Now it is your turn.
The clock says 8.17.46
